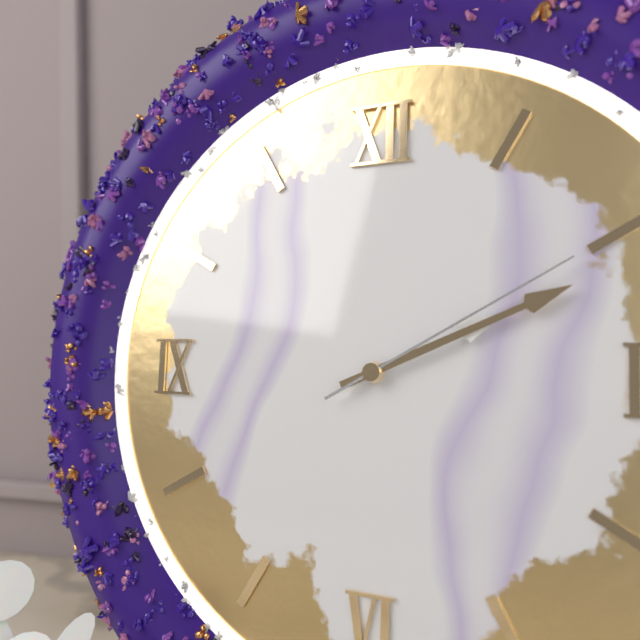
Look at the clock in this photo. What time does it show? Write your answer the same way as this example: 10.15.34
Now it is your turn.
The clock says 2.11.10
